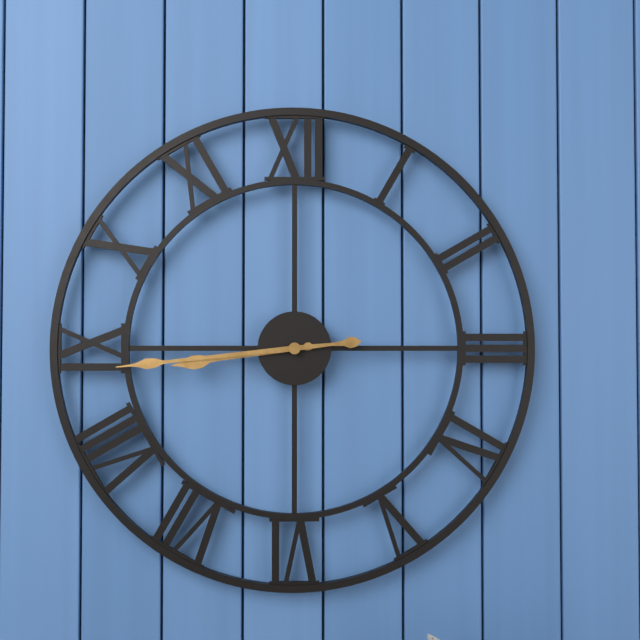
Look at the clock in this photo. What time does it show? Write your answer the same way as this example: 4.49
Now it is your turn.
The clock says 8.44
